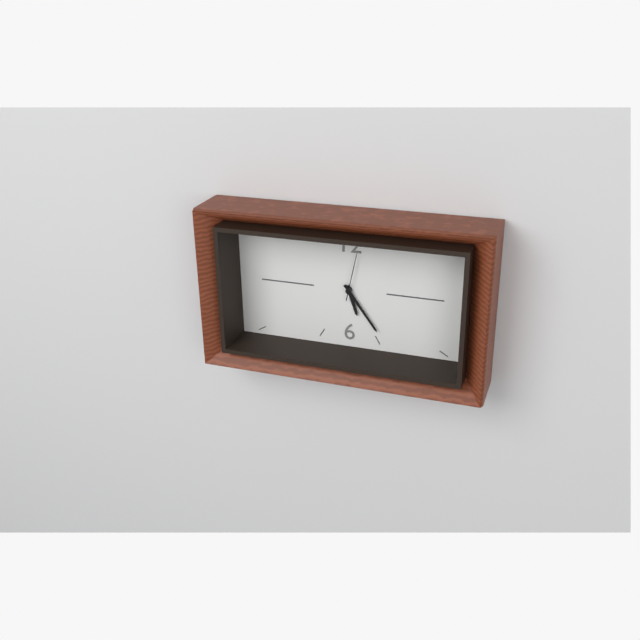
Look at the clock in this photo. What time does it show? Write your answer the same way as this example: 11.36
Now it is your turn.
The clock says 5.24
